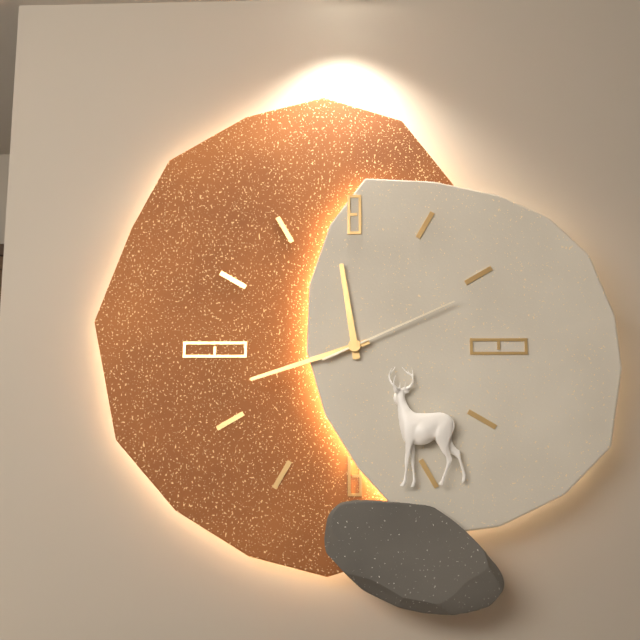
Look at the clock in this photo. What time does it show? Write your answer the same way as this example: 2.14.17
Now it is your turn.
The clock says 11.42.11
